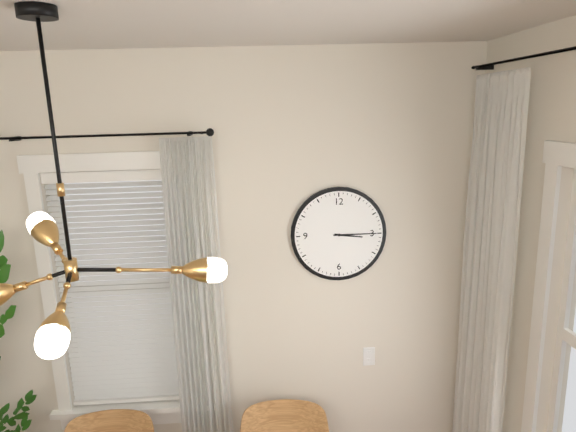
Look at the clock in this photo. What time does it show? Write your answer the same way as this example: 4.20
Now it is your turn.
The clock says 3.15
